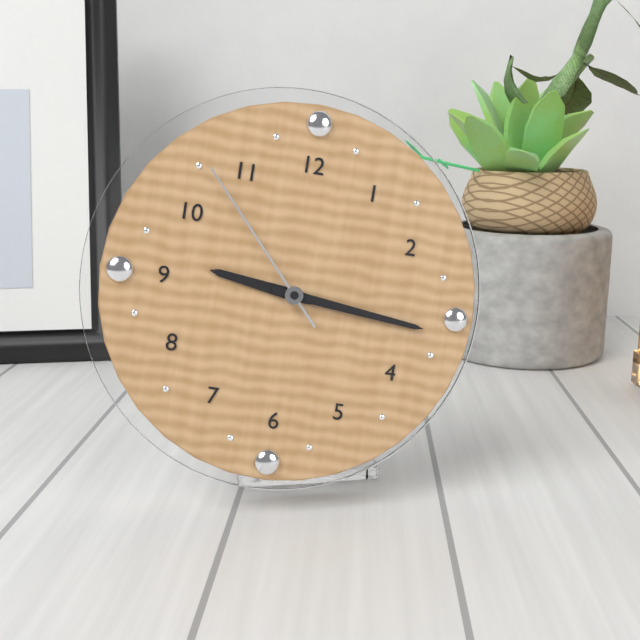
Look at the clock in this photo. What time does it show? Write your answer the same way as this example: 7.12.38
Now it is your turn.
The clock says 9.16.53
